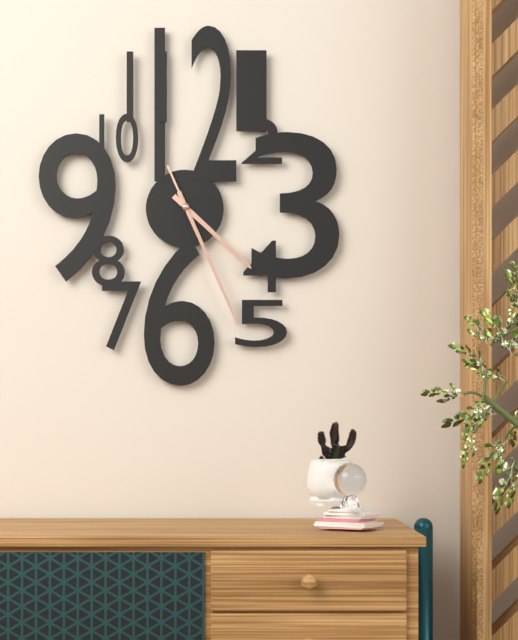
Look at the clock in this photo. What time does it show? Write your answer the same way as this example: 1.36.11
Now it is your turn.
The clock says 4.26.26
